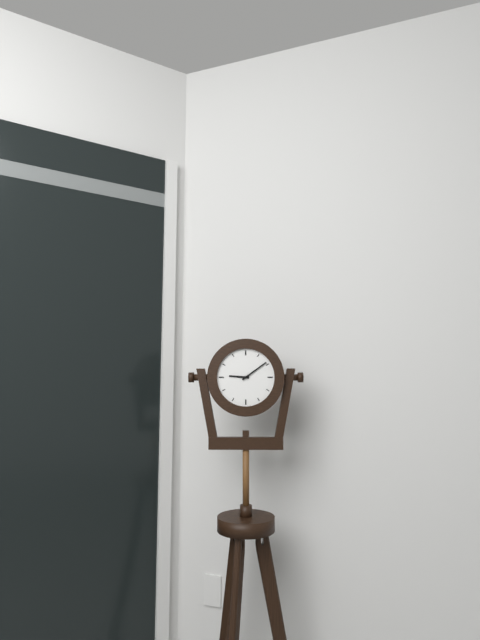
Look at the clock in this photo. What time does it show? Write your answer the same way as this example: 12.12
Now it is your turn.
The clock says 9.09
